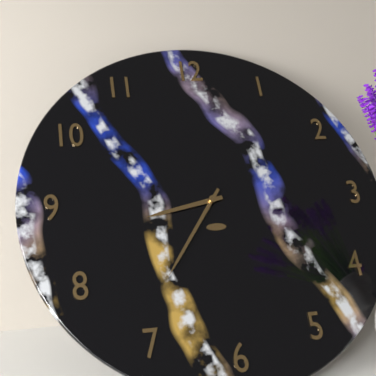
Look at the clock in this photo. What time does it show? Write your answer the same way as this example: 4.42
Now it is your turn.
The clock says 8.36
